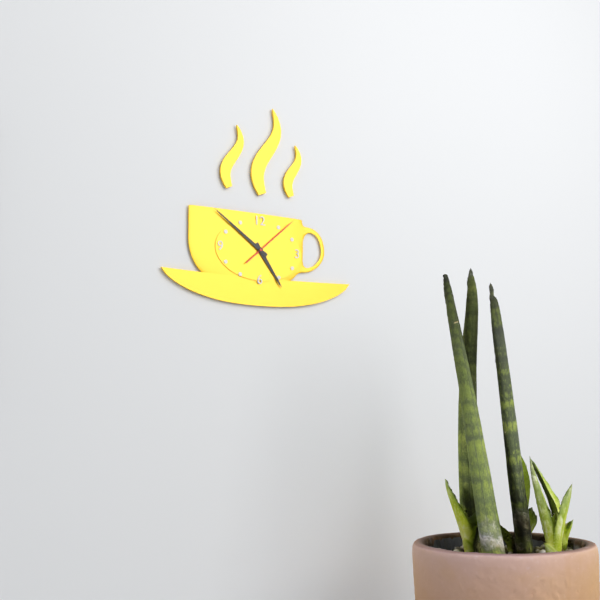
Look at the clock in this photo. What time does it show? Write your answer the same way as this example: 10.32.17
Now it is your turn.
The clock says 4.51.08
